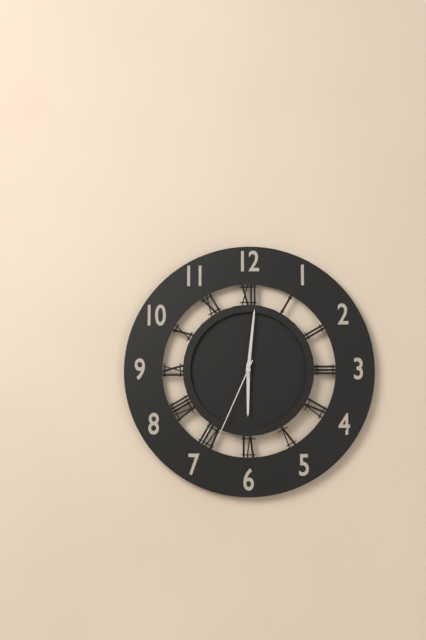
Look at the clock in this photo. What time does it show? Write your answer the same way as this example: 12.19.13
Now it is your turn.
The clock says 6.01.34
